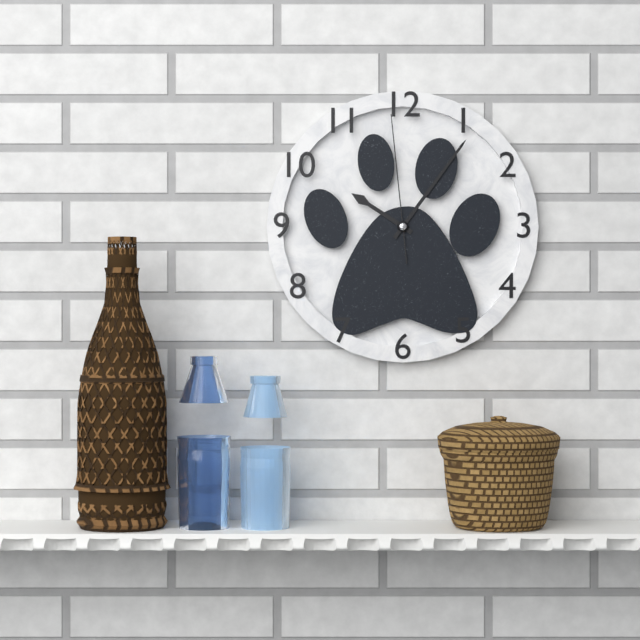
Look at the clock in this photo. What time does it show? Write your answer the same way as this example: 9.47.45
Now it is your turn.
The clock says 10.06.59
